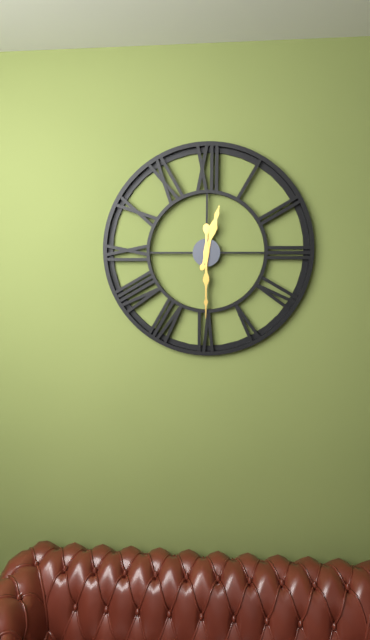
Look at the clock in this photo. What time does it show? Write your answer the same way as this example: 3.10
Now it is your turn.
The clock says 12.30
